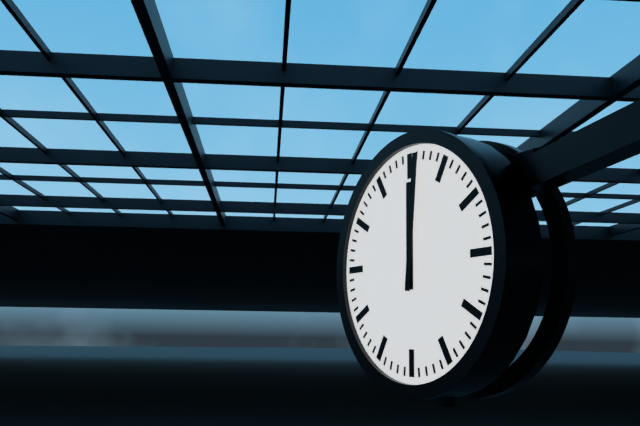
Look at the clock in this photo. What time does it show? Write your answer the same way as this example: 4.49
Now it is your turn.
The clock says 12.01
